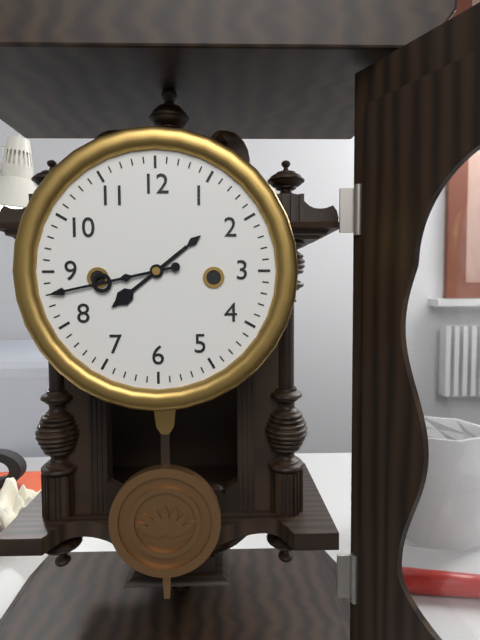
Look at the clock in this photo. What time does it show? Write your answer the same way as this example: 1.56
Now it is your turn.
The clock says 7.43
